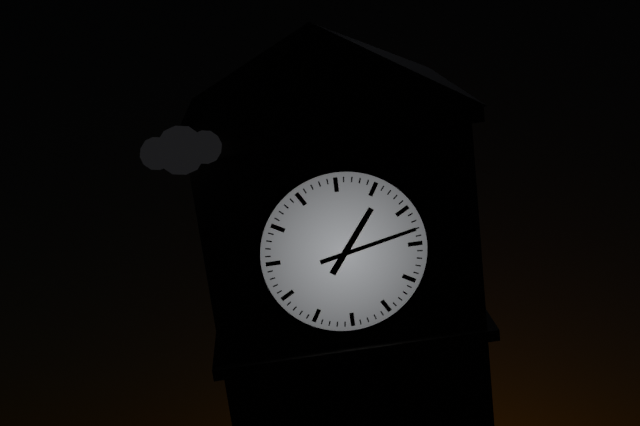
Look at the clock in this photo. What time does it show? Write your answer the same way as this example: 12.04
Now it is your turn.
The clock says 1.13
